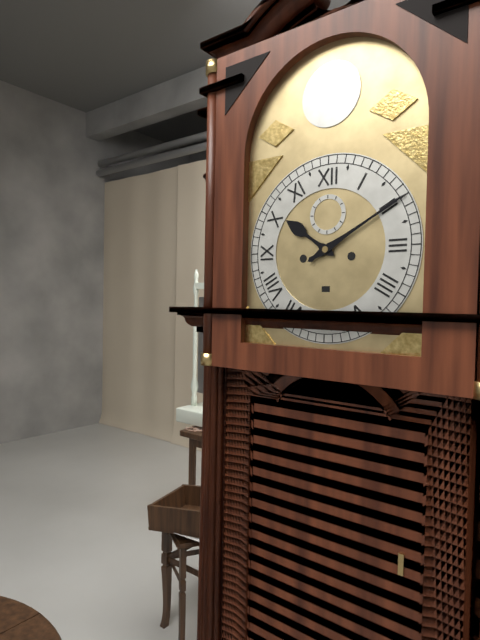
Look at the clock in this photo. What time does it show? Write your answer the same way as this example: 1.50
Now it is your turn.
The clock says 10.10
